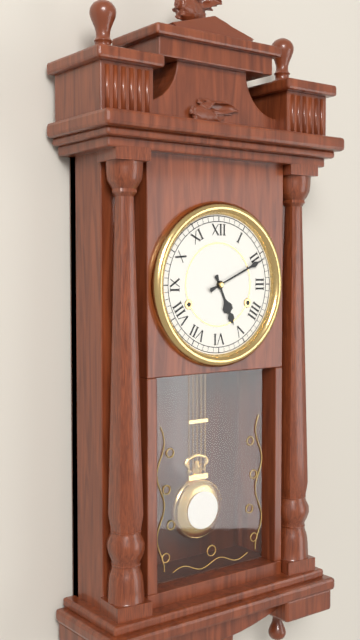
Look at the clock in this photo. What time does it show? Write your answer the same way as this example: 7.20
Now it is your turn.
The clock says 5.11
